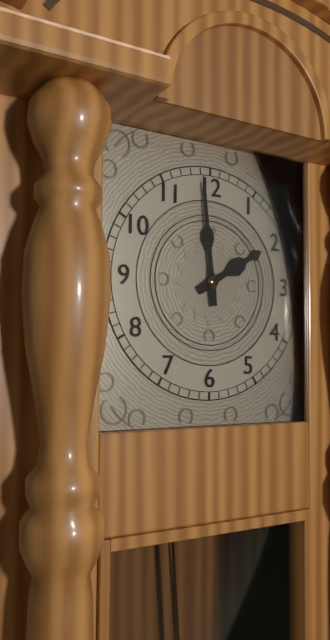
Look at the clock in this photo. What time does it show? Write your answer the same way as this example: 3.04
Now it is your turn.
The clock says 1.59
